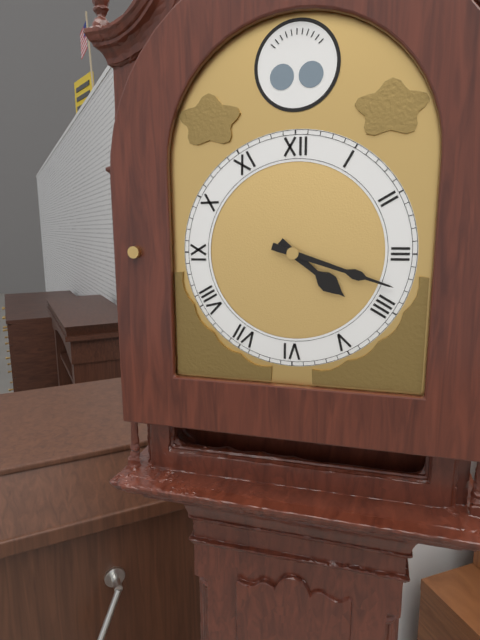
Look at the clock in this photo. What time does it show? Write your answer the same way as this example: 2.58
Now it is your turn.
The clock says 4.18
